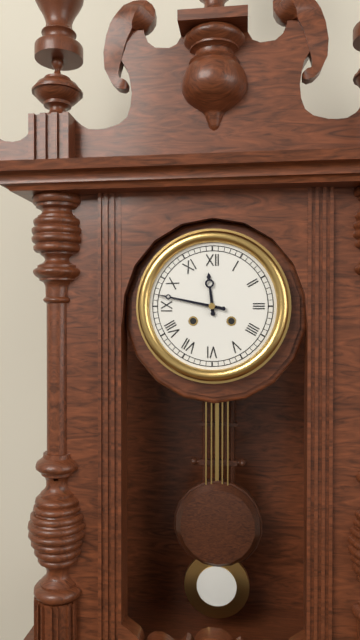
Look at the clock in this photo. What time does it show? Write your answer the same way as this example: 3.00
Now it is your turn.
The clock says 11.47
